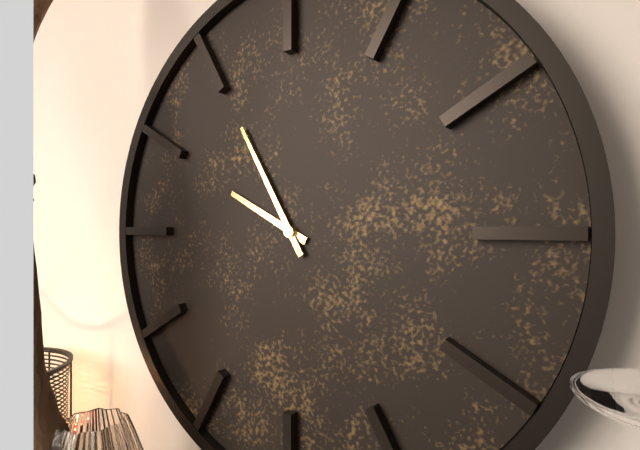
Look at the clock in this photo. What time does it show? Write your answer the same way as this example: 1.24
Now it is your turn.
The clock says 9.55
